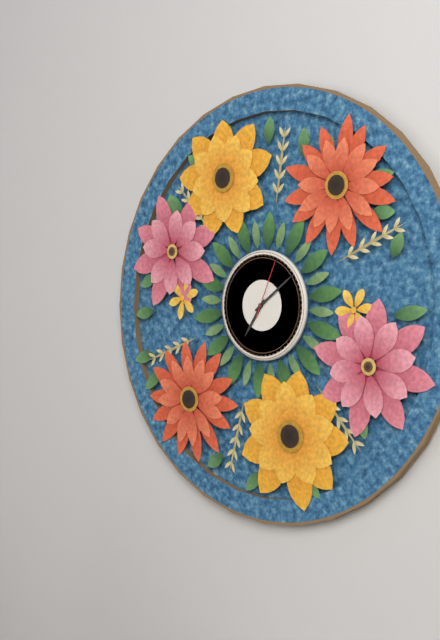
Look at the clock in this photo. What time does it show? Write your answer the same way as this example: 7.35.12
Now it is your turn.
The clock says 7.09.04
